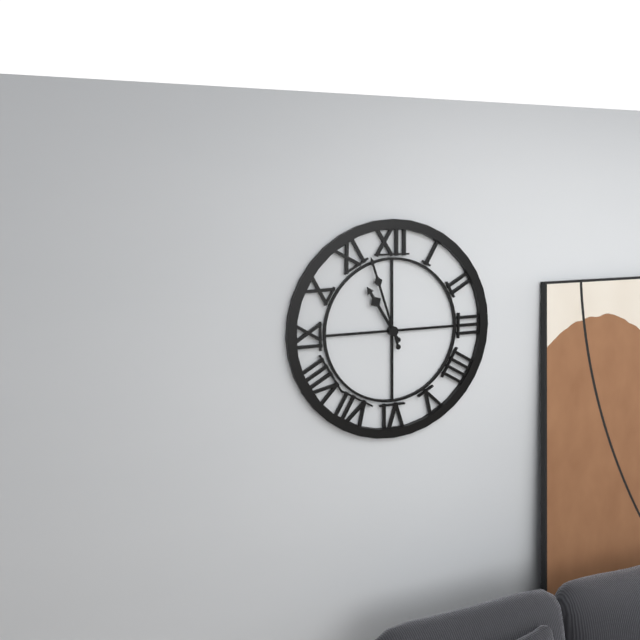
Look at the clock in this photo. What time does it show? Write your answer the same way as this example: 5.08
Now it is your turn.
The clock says 10.57
